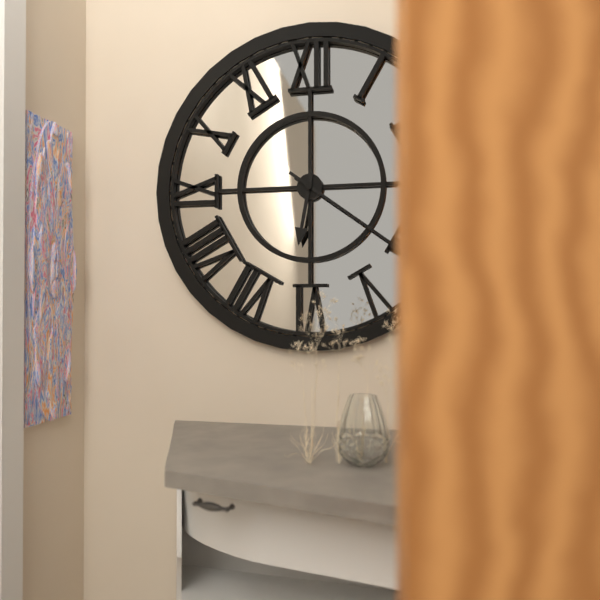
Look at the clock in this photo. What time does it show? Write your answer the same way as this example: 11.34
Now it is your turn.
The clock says 6.21
